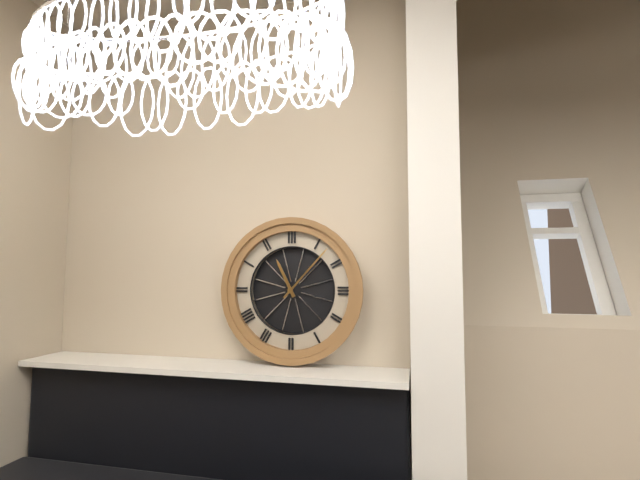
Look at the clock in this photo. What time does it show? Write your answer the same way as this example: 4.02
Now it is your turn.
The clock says 11.07
